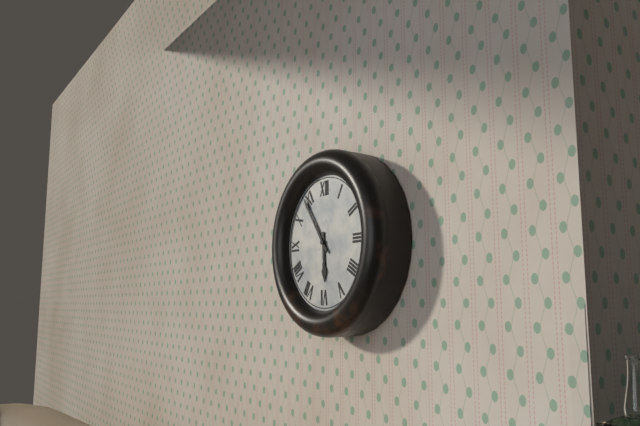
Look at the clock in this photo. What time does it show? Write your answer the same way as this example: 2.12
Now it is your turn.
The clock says 5.54
